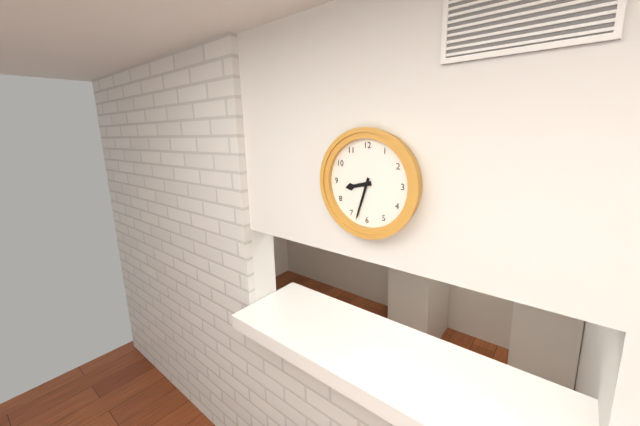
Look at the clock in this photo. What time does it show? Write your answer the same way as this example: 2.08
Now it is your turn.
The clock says 8.33
